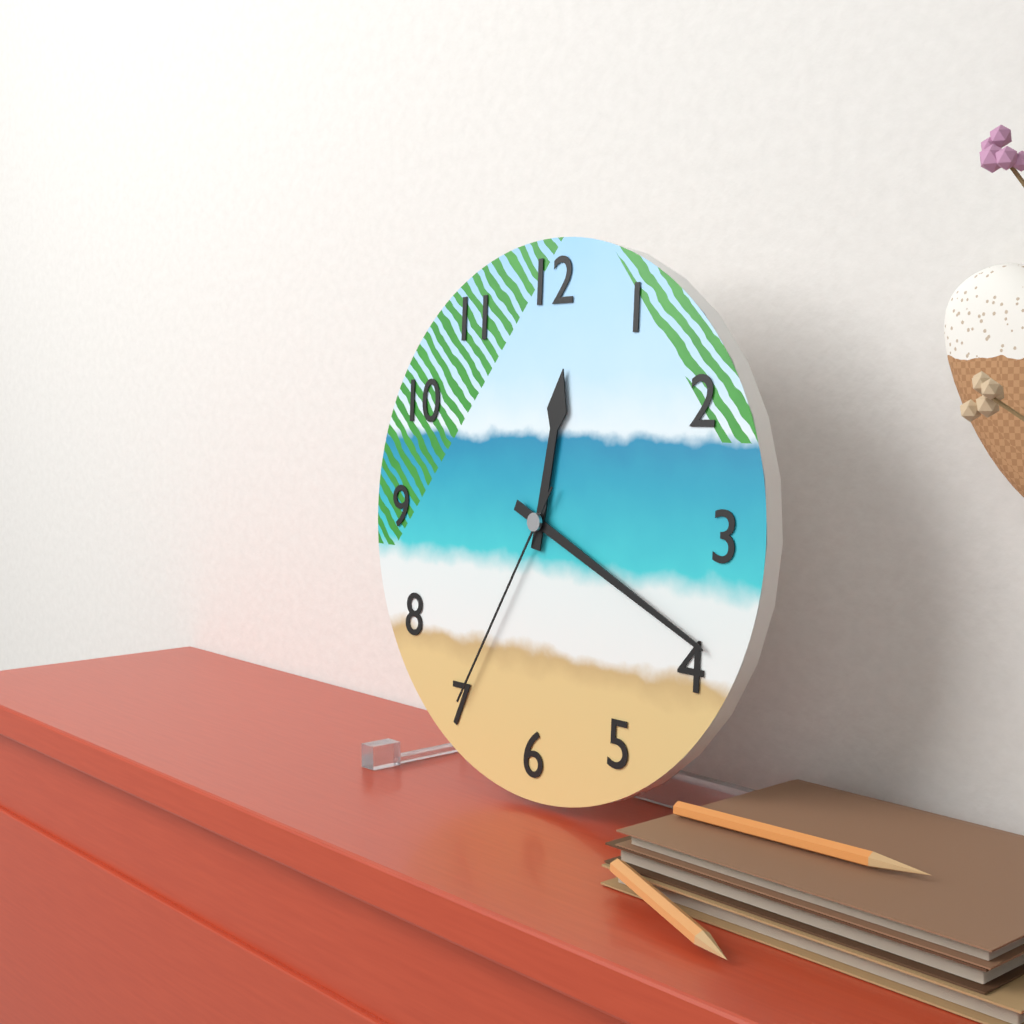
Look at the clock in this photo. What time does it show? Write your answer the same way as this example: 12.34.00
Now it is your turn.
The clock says 12.19.35
